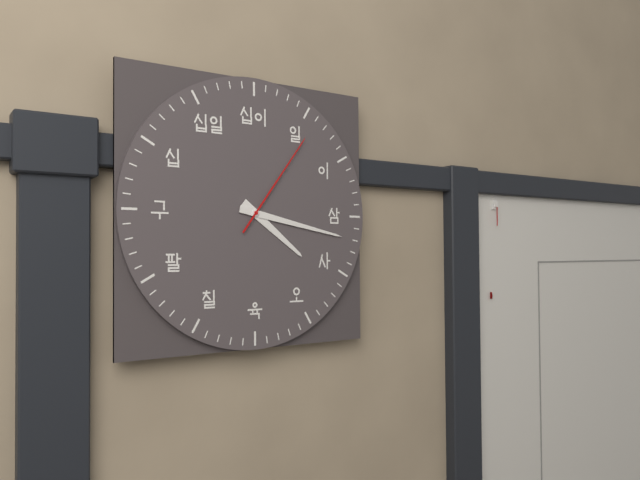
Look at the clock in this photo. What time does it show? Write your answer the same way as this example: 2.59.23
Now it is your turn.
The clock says 4.17.06
